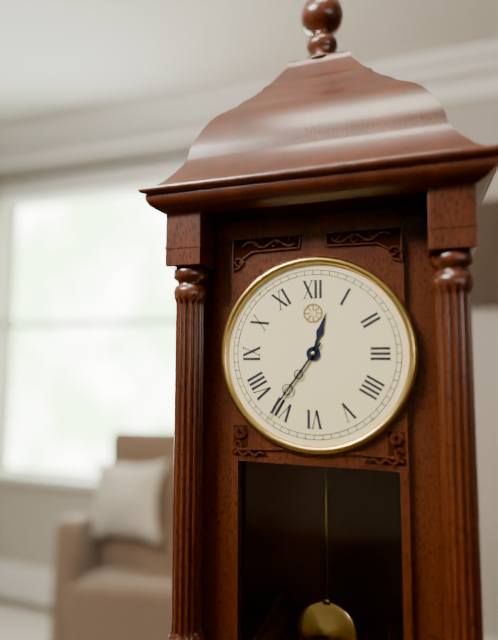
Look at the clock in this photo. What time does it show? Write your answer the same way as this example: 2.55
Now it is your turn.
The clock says 12.36
